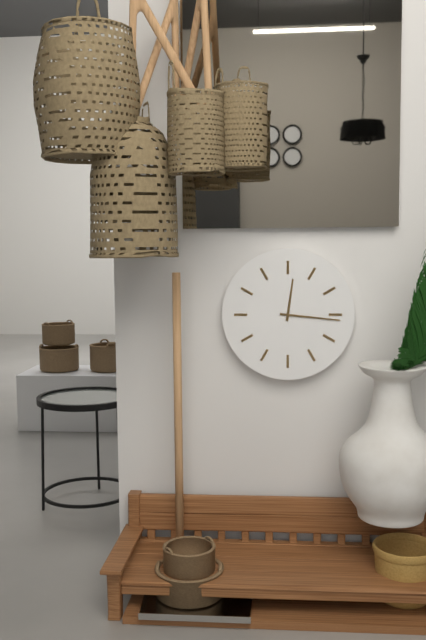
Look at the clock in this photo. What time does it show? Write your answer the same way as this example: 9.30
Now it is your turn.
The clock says 12.16
